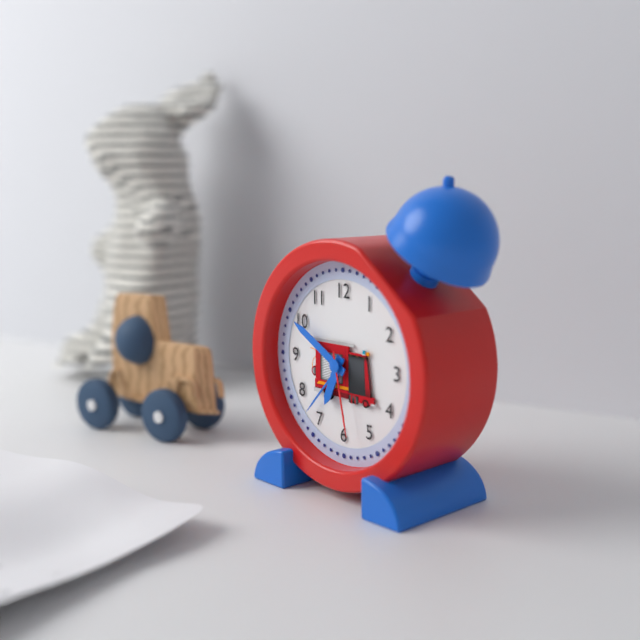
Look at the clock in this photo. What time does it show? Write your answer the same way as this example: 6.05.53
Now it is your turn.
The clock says 6.50.28
